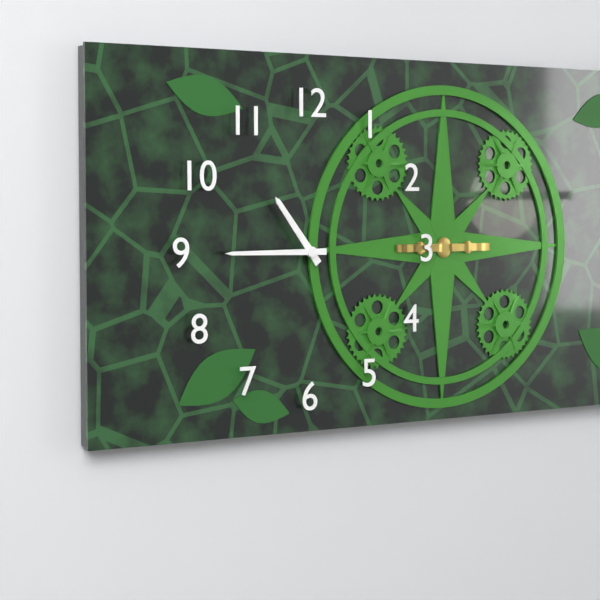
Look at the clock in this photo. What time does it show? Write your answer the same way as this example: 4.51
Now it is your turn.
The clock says 10.45
